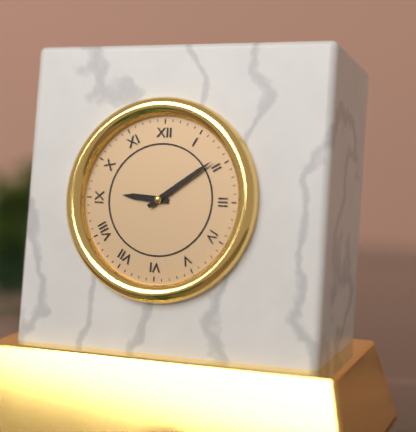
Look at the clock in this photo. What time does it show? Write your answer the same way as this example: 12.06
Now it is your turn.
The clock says 9.09
